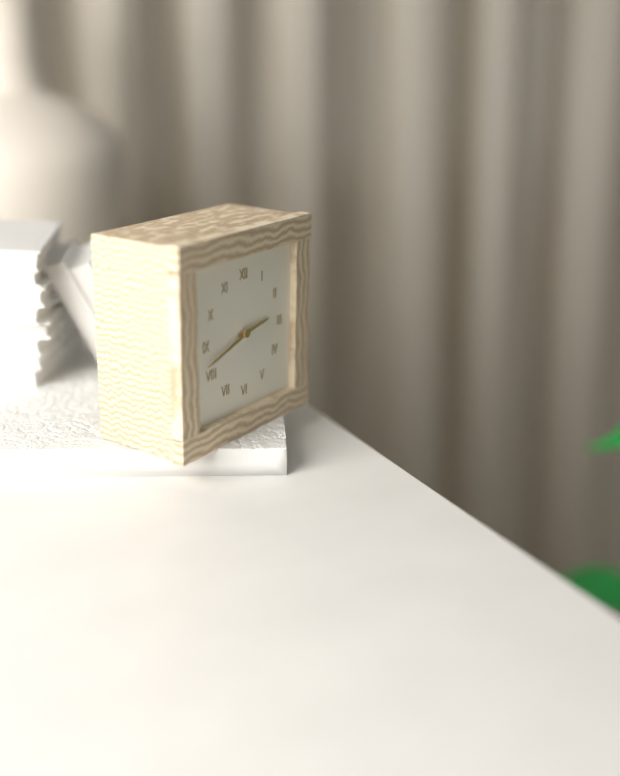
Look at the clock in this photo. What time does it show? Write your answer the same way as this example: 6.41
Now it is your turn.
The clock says 2.42
